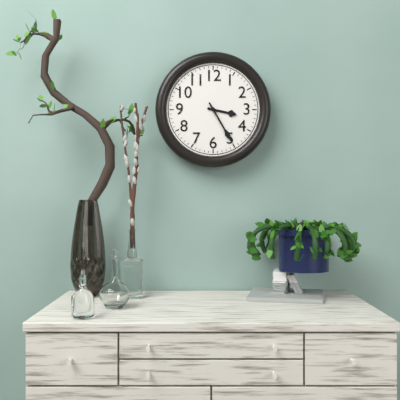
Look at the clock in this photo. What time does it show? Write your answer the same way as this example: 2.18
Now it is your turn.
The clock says 3.25
